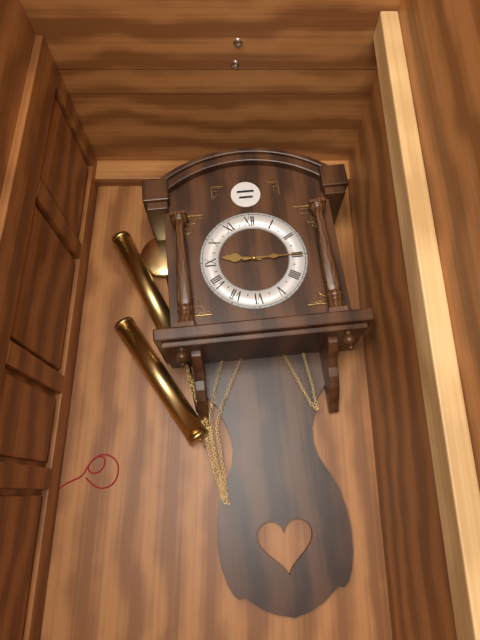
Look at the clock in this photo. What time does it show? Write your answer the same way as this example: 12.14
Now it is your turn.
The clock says 9.15
